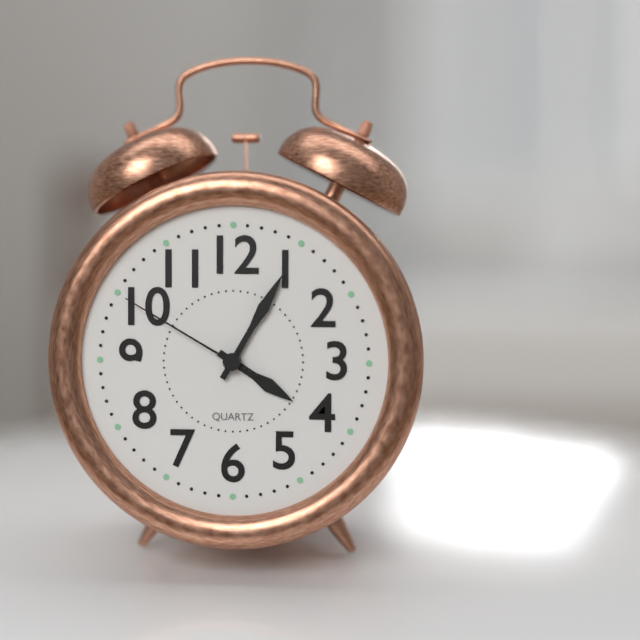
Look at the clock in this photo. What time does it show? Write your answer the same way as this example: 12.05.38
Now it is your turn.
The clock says 4.05.50
